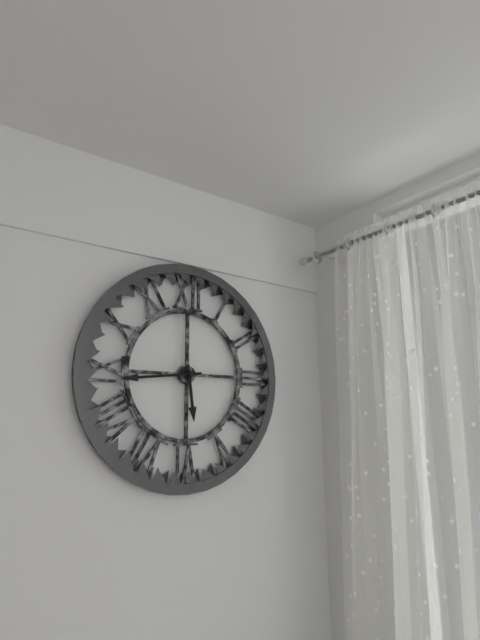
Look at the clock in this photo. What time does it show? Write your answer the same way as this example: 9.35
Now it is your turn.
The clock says 5.44
